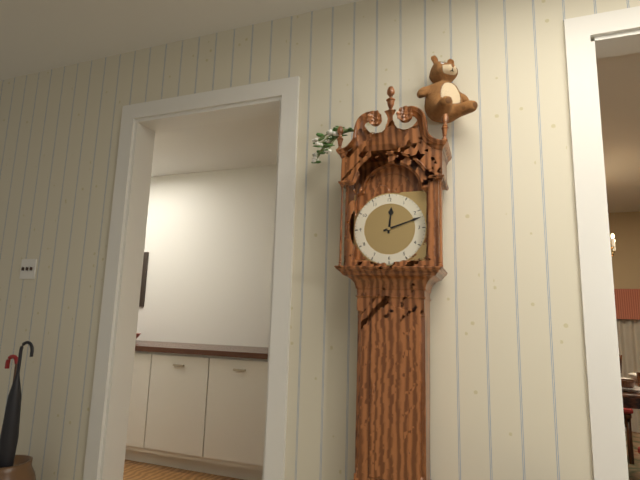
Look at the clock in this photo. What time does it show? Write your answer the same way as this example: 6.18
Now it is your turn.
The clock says 12.12
